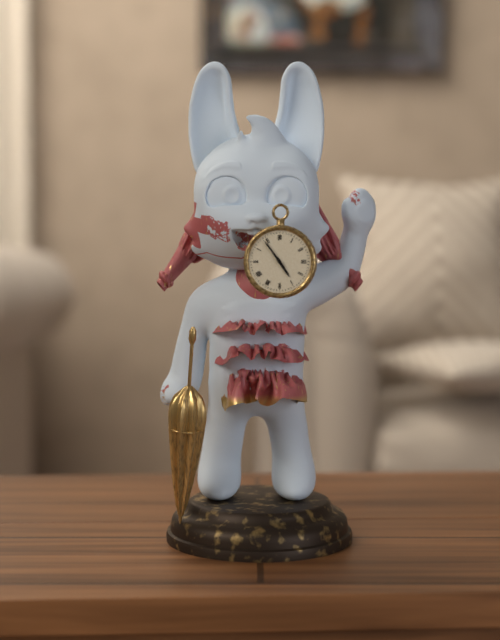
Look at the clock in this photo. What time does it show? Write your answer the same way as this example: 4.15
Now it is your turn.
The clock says 4.54
